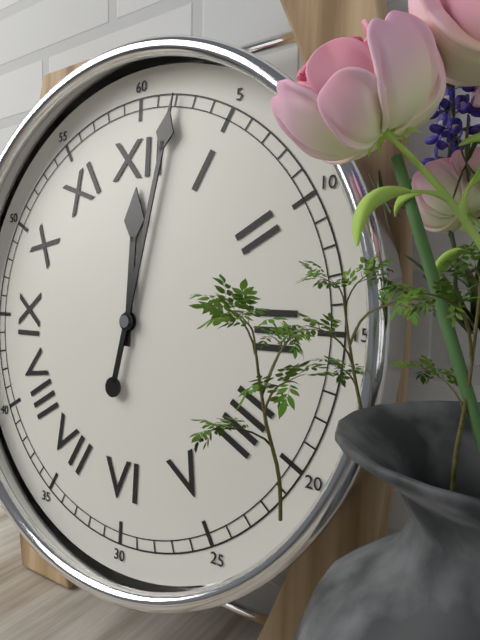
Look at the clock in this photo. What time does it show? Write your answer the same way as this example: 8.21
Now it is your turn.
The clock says 12.02
